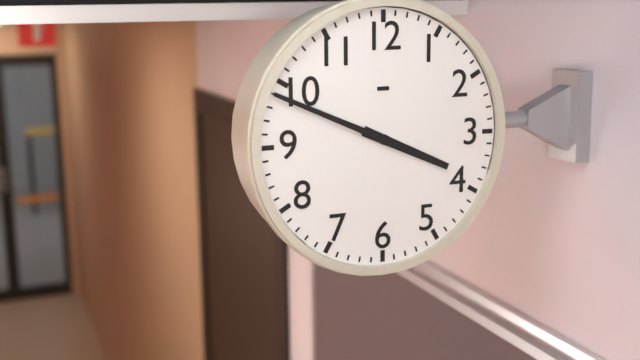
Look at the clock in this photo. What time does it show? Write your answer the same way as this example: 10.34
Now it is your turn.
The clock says 3.49
